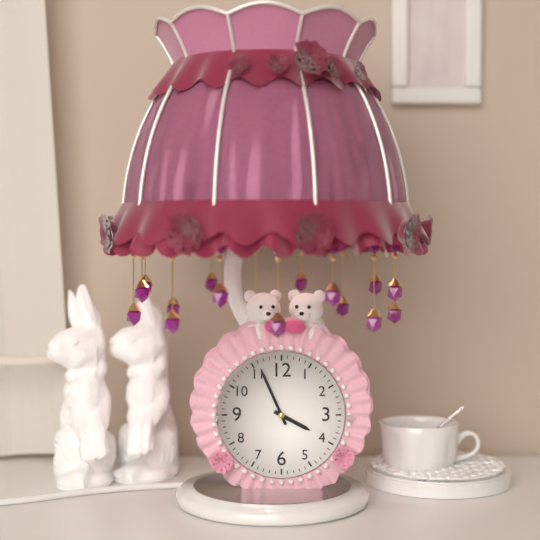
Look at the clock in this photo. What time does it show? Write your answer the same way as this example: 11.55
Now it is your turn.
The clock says 3.56
